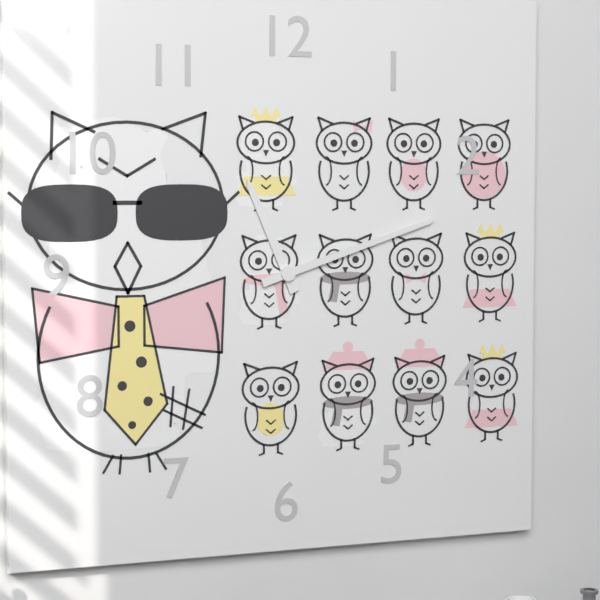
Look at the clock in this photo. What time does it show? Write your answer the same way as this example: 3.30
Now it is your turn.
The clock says 11.12
